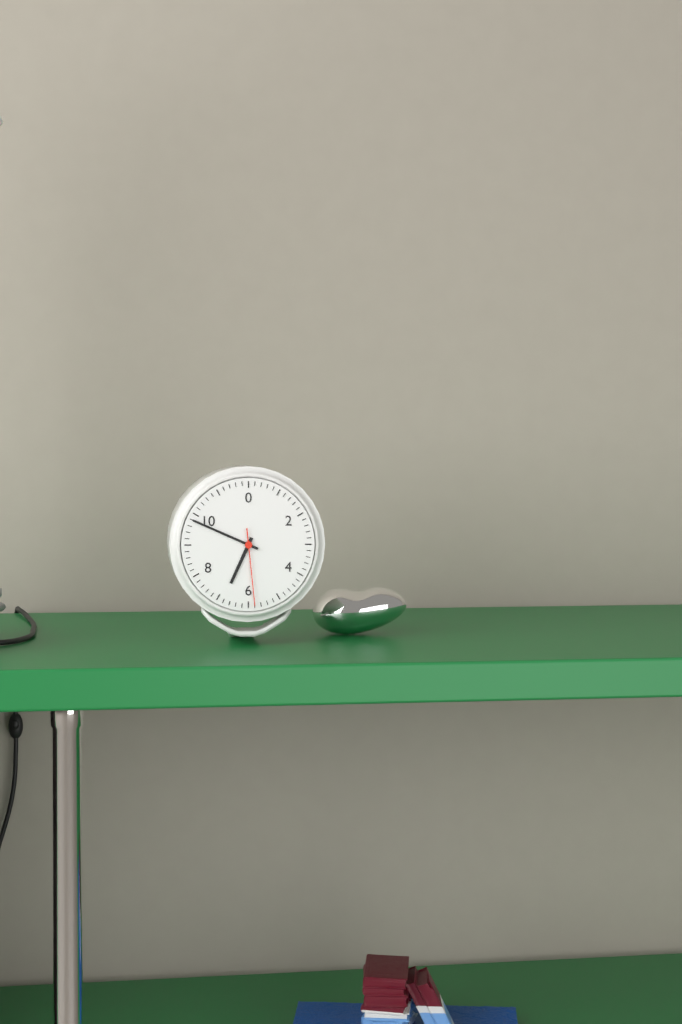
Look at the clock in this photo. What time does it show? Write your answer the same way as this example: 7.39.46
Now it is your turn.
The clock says 6.49.29
